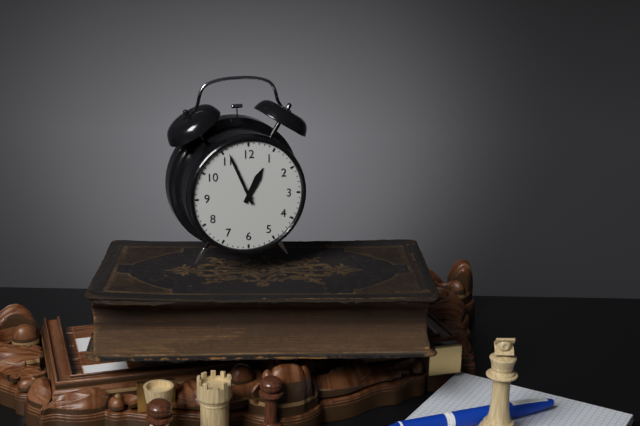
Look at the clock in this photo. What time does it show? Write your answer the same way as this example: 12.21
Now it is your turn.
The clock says 12.56
